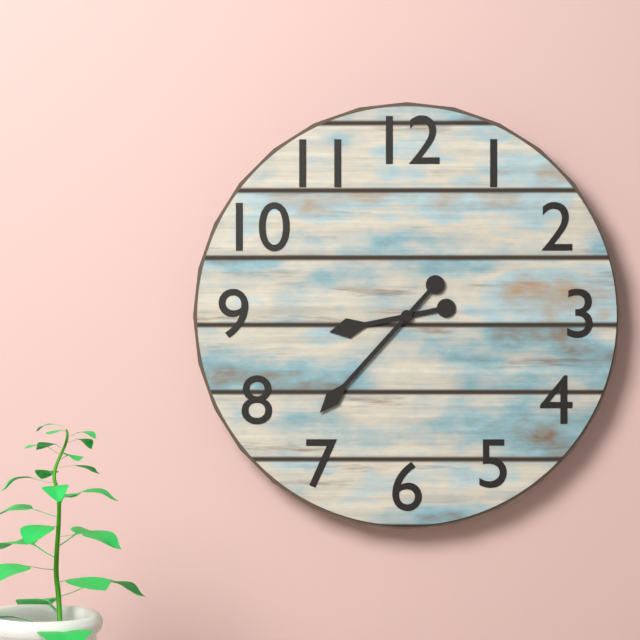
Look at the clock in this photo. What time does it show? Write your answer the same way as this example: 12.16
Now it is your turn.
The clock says 8.37
